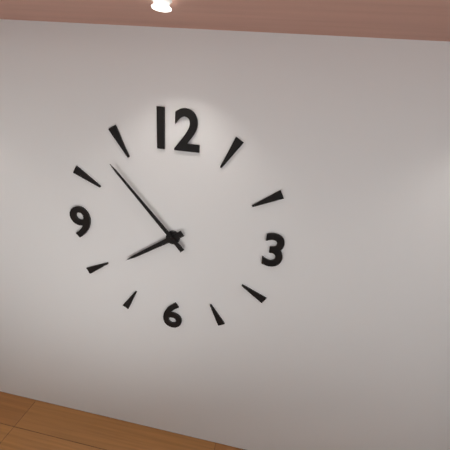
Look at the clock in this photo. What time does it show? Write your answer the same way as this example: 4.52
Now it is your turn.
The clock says 7.53
